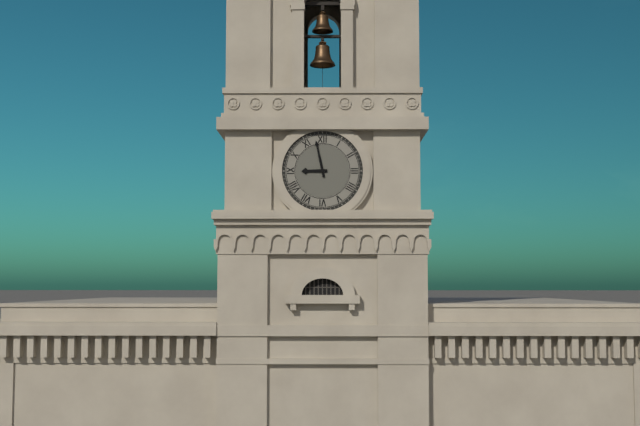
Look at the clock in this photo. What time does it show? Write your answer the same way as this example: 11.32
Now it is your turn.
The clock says 8.58
